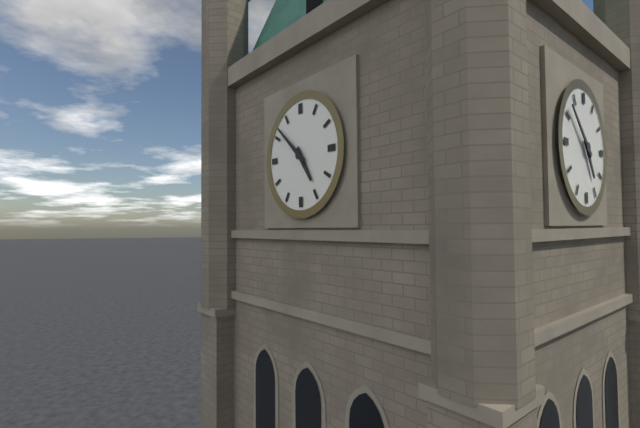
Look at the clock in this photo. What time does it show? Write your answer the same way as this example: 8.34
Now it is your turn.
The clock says 4.52
